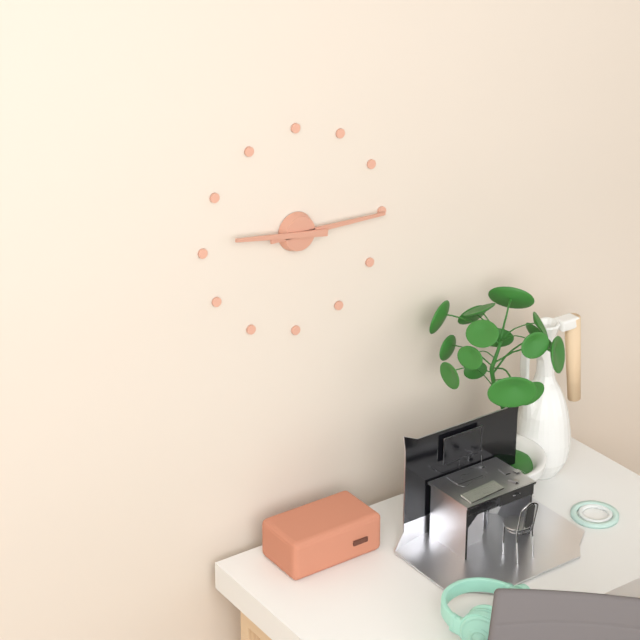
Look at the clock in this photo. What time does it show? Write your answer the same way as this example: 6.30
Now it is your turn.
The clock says 9.15
